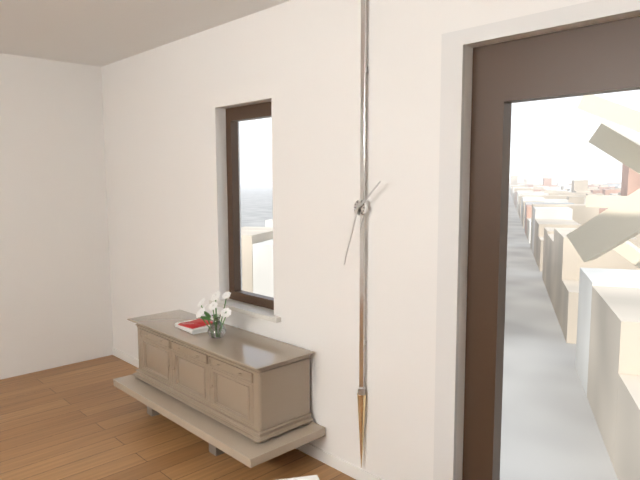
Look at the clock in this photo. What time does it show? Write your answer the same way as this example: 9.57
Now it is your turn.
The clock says 1.33
